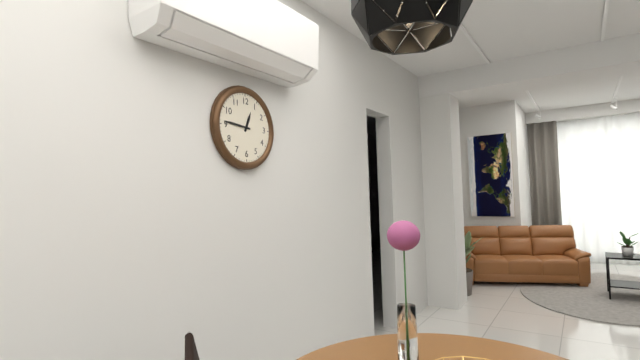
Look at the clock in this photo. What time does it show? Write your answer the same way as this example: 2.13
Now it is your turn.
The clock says 12.46
